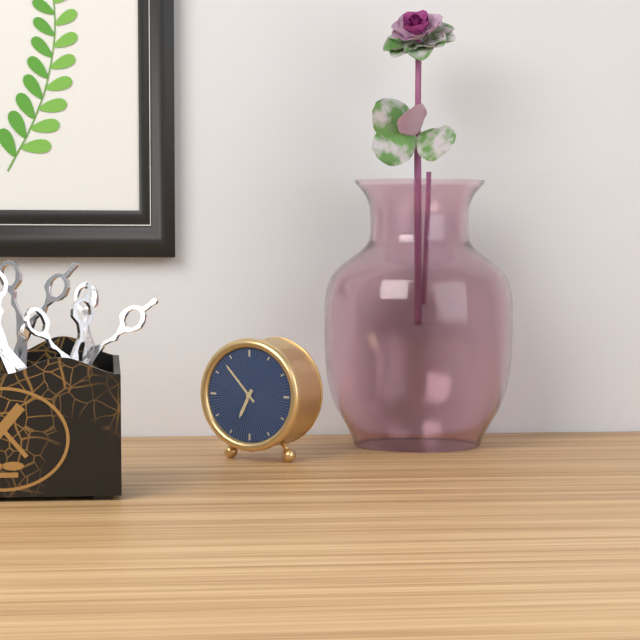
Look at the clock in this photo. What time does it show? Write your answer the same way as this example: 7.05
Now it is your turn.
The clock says 6.53
